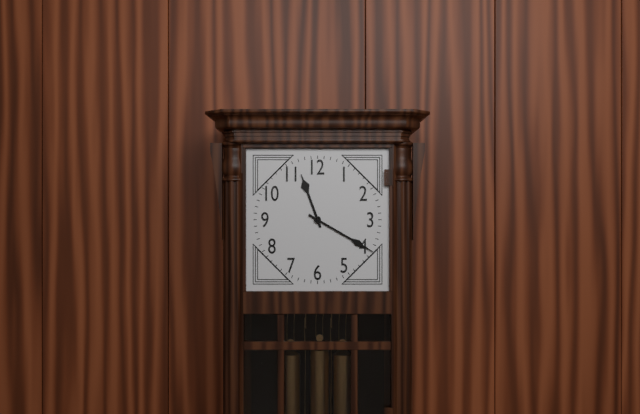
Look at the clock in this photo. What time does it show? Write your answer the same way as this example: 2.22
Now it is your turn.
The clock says 11.20
